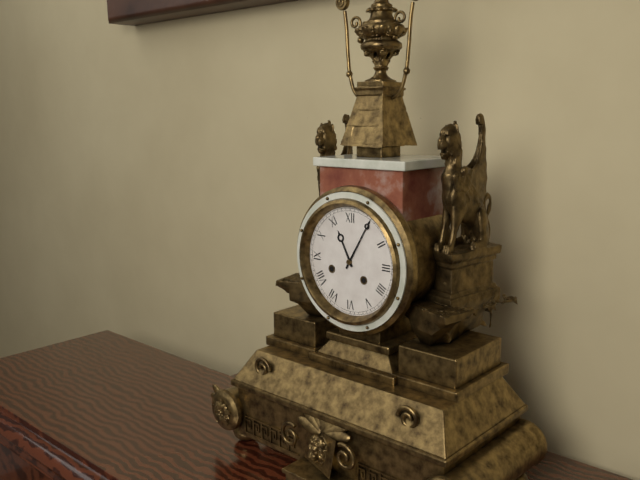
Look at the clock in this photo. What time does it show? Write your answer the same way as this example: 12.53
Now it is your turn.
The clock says 11.05
